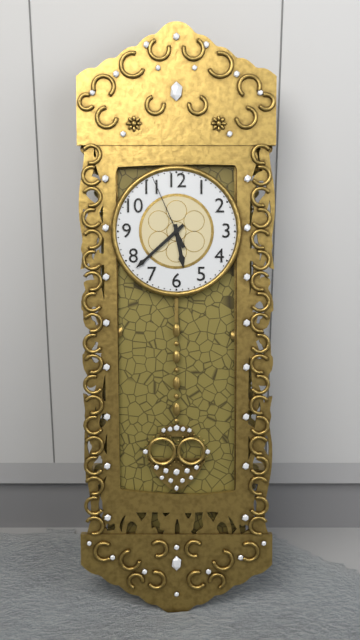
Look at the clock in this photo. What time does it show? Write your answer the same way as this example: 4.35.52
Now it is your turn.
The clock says 5.38.56
